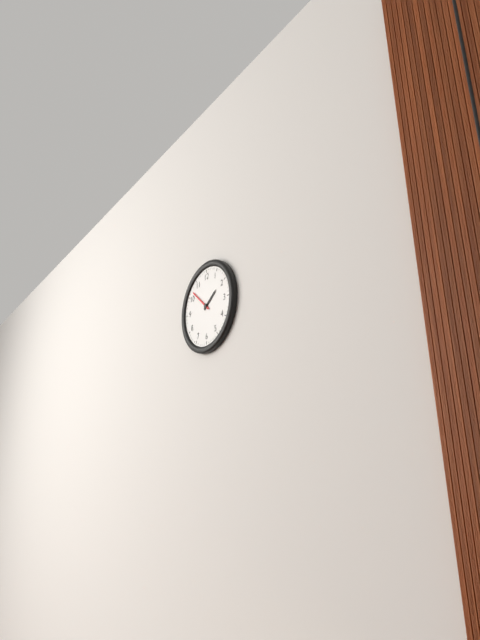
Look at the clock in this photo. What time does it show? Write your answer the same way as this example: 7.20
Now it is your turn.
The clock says 1.52
